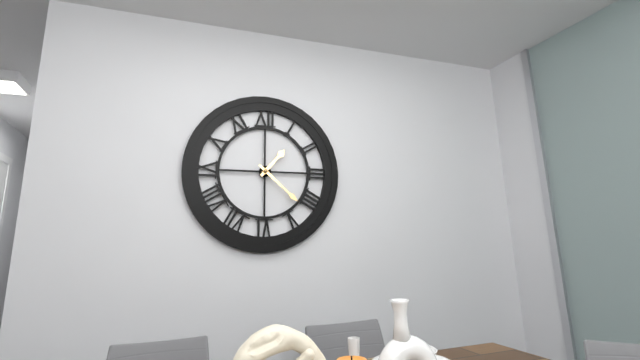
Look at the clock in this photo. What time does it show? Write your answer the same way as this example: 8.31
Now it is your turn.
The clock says 1.22
